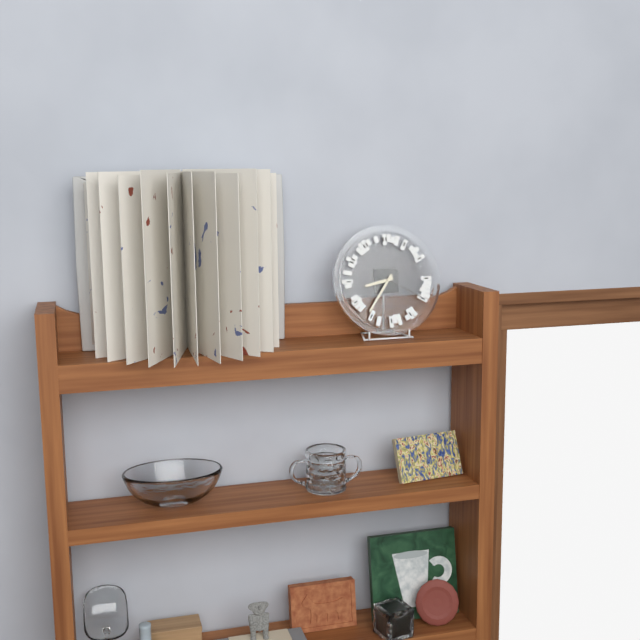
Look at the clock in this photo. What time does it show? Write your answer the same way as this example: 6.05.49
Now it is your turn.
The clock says 8.36.20
